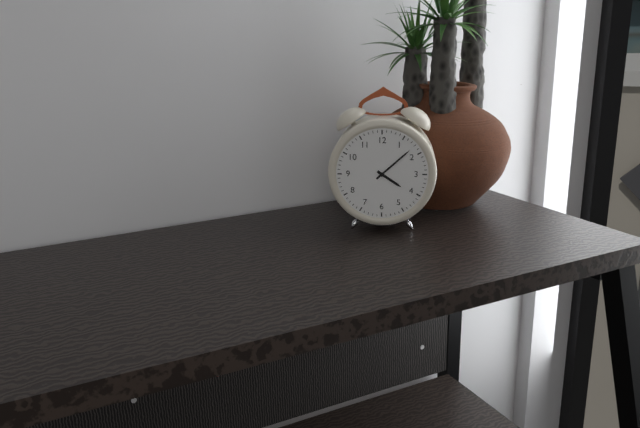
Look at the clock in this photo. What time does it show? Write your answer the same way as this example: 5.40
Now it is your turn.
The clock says 4.08
